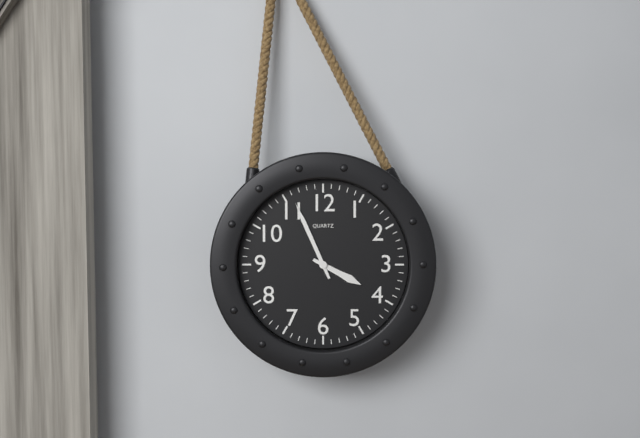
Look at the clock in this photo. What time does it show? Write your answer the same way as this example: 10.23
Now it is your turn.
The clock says 3.56
